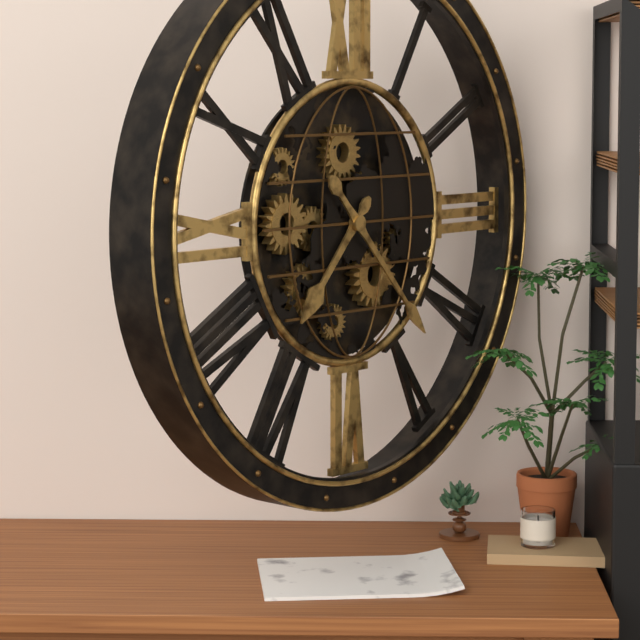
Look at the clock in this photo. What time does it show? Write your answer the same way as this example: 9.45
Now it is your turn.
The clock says 7.23
